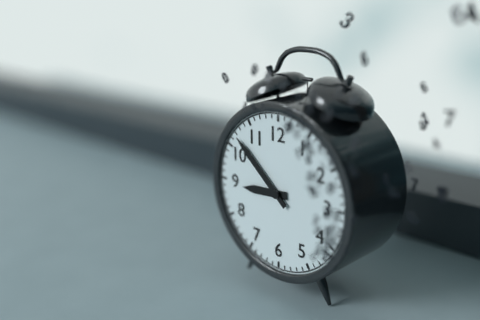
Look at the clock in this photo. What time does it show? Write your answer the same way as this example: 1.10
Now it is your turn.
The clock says 8.52
